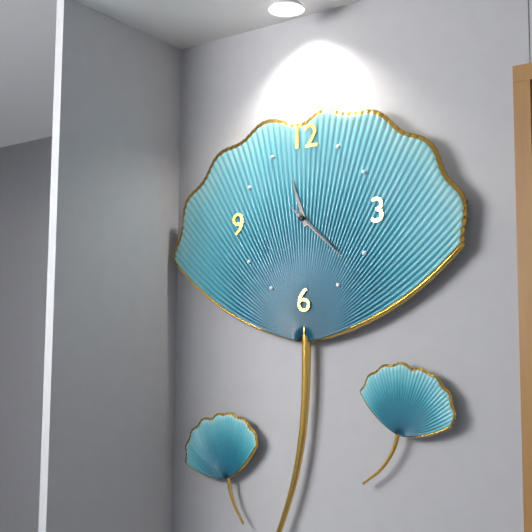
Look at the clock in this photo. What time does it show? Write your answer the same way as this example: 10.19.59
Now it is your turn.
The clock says 11.22.22
